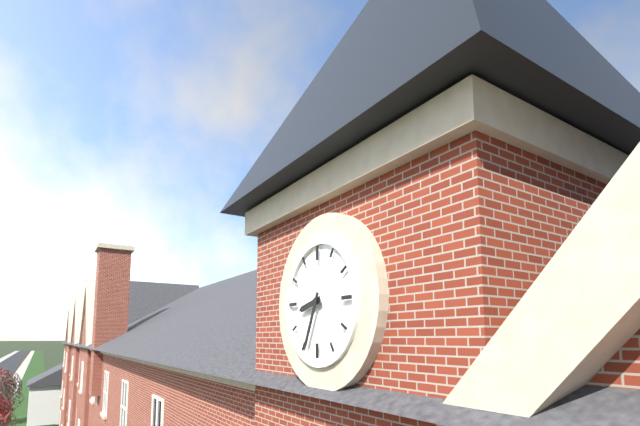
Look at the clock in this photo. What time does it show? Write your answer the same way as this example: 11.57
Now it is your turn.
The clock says 8.34
